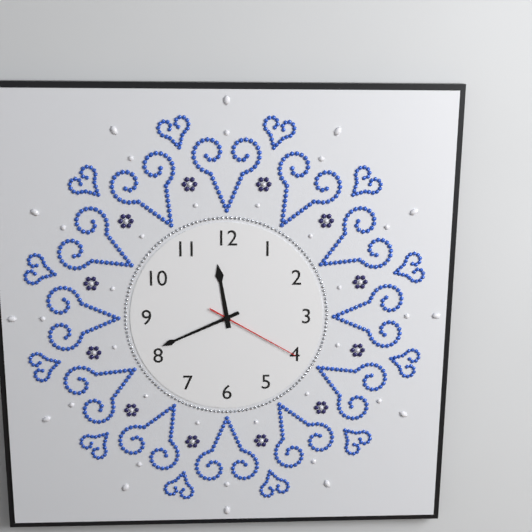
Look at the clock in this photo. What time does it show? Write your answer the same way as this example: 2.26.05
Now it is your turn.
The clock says 11.41.20
